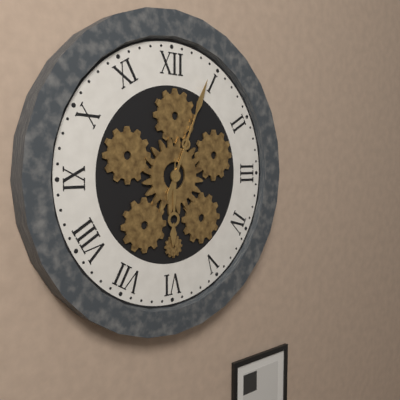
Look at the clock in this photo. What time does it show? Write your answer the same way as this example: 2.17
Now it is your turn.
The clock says 6.04
